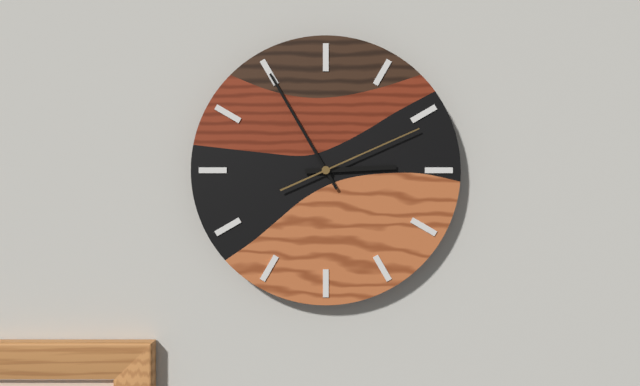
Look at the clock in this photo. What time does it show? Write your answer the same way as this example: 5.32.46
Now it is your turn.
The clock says 2.55.11
